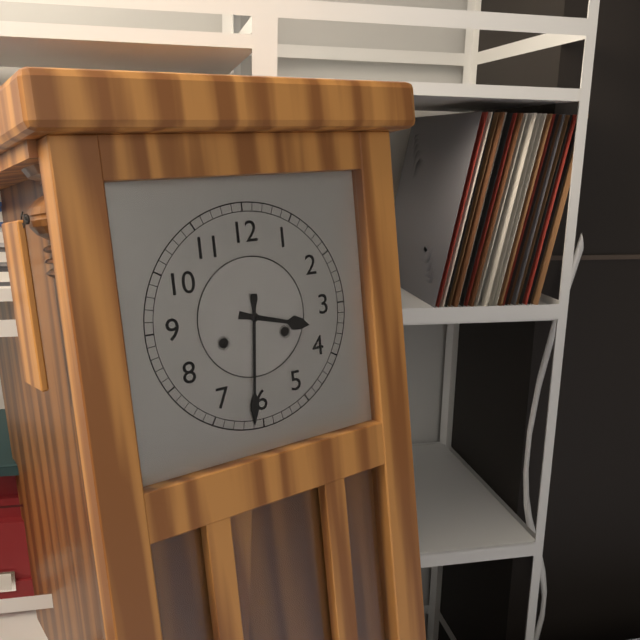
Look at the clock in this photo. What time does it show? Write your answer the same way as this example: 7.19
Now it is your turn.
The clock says 3.31
